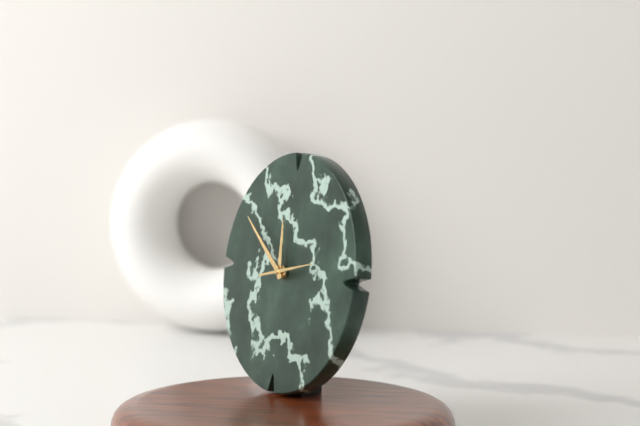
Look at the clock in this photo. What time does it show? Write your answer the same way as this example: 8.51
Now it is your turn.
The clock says 11.51
